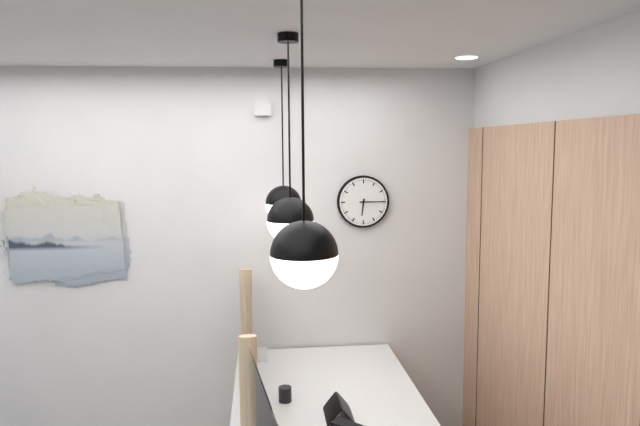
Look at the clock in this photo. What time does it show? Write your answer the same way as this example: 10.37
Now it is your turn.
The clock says 6.15
